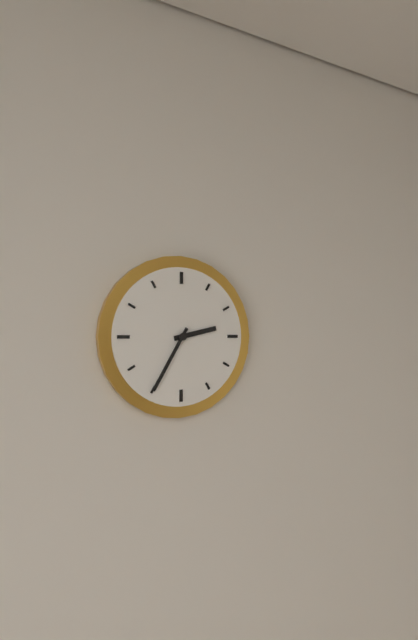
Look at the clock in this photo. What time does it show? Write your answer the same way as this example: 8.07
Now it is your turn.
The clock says 2.35
